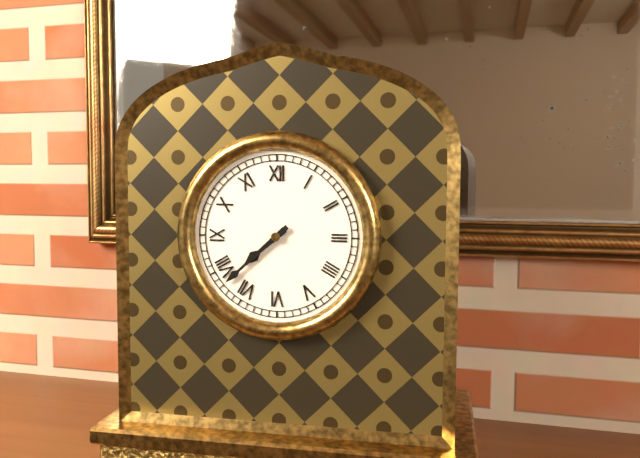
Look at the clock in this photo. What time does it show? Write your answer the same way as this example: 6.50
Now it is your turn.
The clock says 7.38
